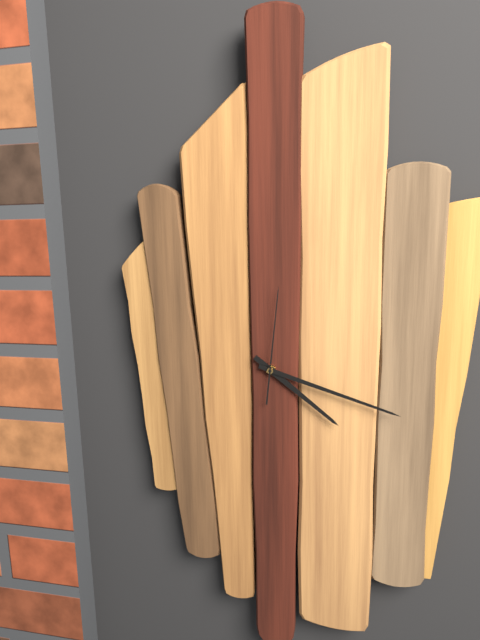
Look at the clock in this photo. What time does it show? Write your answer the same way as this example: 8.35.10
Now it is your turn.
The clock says 4.18.01
